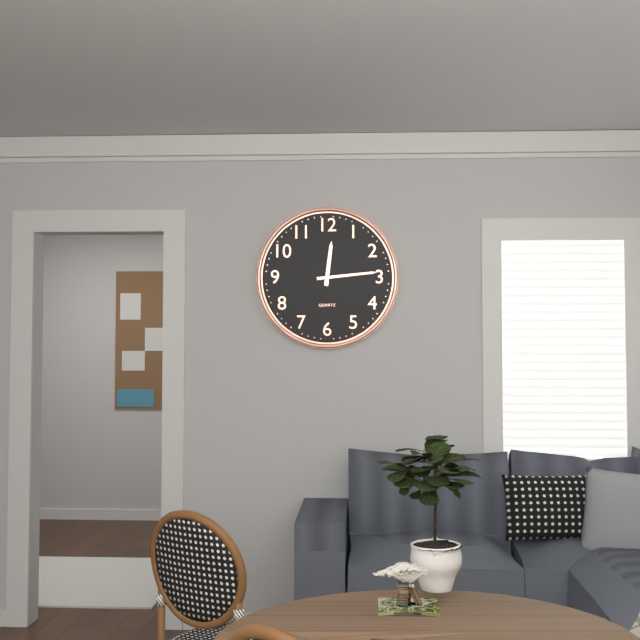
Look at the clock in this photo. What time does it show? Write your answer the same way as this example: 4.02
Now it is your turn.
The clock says 12.14
